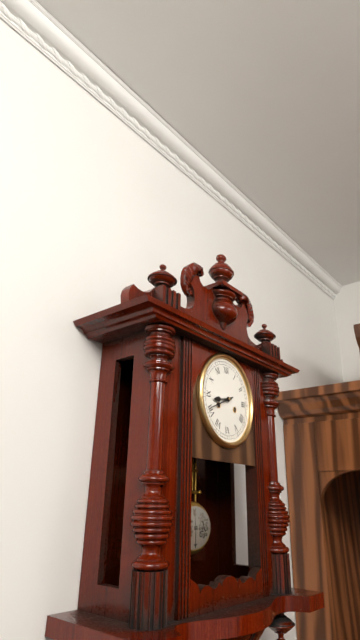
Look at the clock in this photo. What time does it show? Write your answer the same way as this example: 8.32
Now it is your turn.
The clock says 8.41
